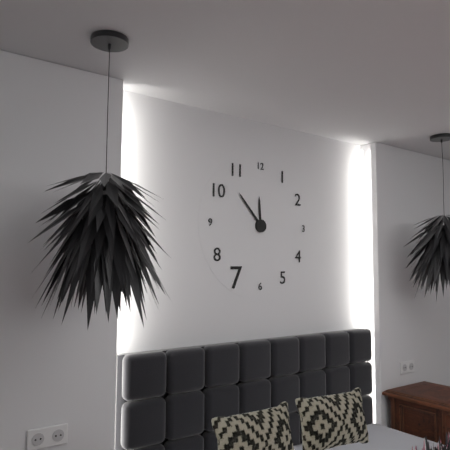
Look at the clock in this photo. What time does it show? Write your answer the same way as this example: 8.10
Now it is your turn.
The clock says 11.53
